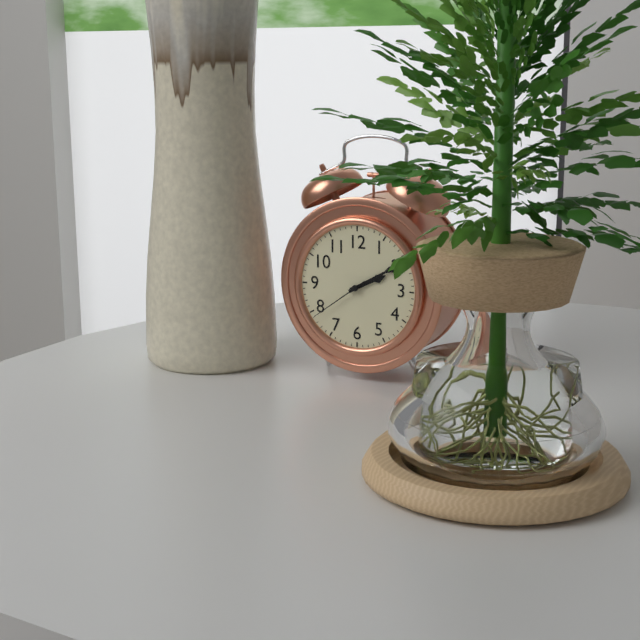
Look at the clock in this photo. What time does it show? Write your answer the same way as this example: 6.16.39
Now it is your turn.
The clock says 2.10.39
